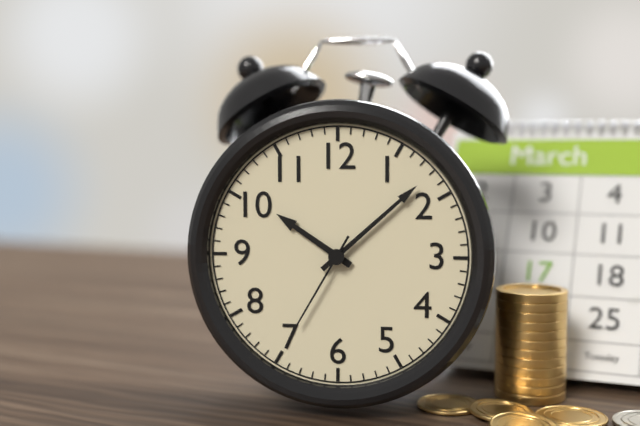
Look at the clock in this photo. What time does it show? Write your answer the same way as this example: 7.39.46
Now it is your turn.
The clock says 10.08.35
